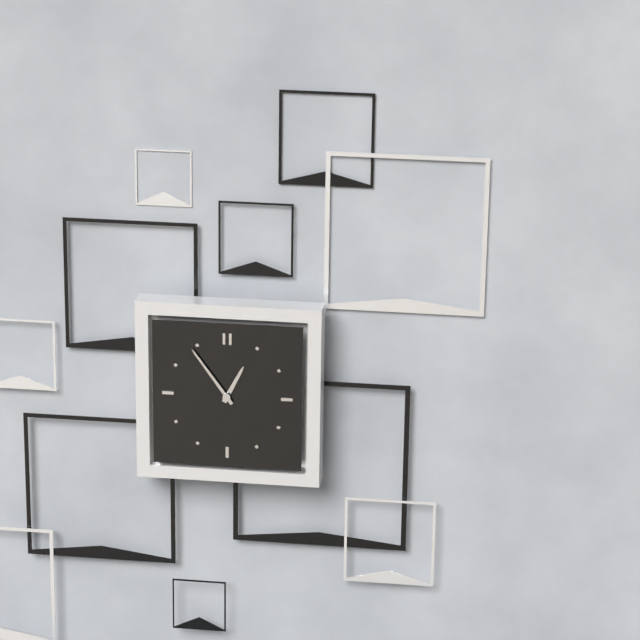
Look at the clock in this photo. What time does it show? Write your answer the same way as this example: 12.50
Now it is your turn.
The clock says 12.54
